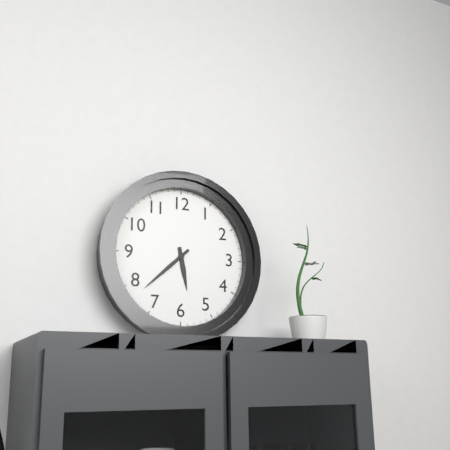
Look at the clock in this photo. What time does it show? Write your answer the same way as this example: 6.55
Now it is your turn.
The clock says 5.38
